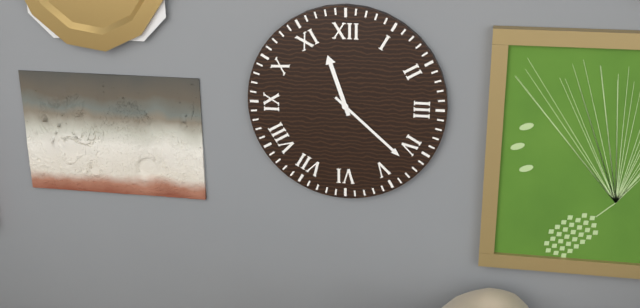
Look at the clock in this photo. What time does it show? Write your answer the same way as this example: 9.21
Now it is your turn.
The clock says 11.22
